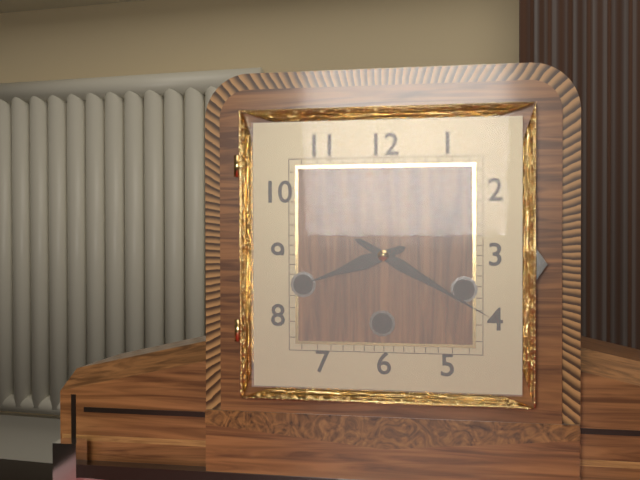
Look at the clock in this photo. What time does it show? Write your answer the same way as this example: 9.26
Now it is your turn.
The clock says 8.20
